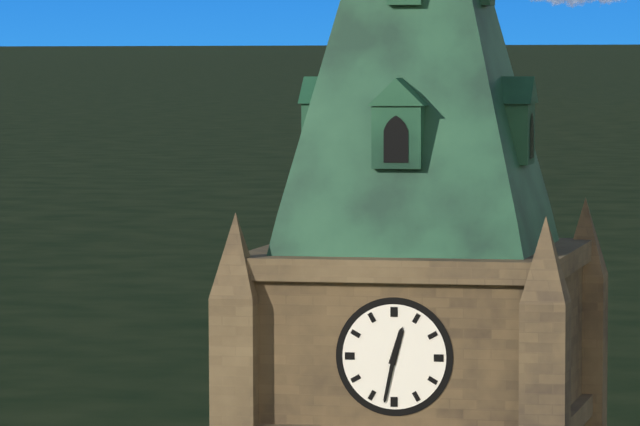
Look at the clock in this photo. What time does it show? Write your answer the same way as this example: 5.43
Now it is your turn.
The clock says 12.32
